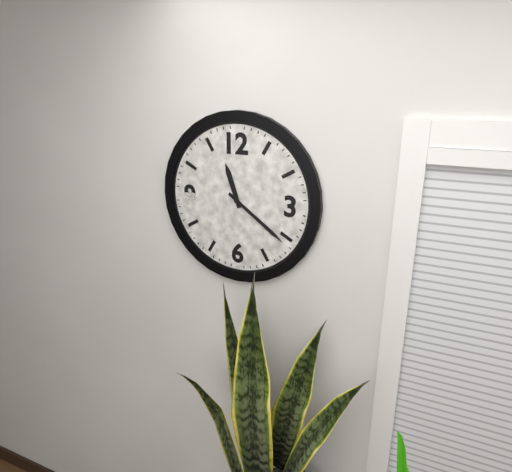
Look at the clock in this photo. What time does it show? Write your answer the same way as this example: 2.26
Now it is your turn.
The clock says 11.21
